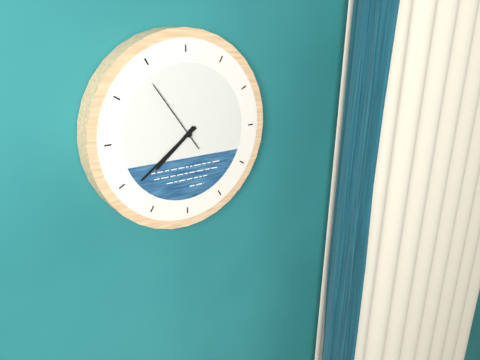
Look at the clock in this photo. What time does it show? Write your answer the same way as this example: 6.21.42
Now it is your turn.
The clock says 7.39.54
